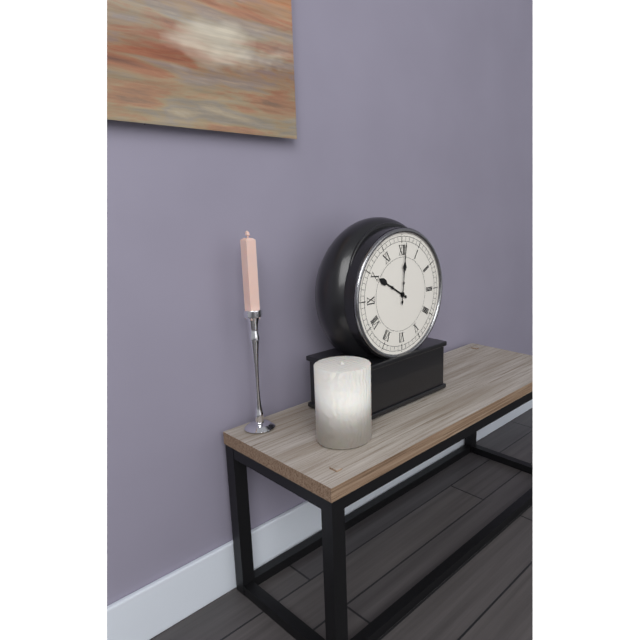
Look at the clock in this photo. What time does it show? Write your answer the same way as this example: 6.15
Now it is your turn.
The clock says 10.01
